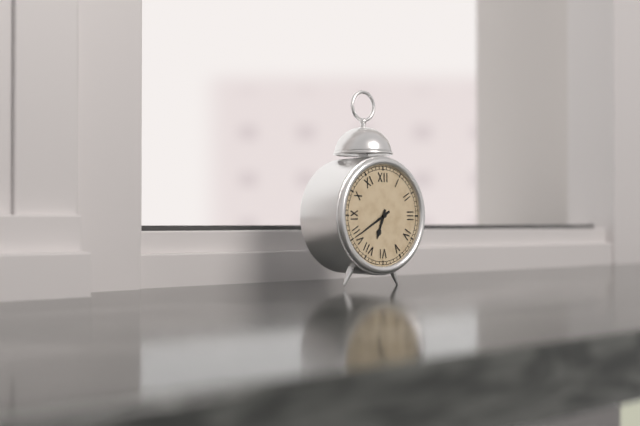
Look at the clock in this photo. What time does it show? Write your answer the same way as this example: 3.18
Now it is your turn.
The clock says 6.40
